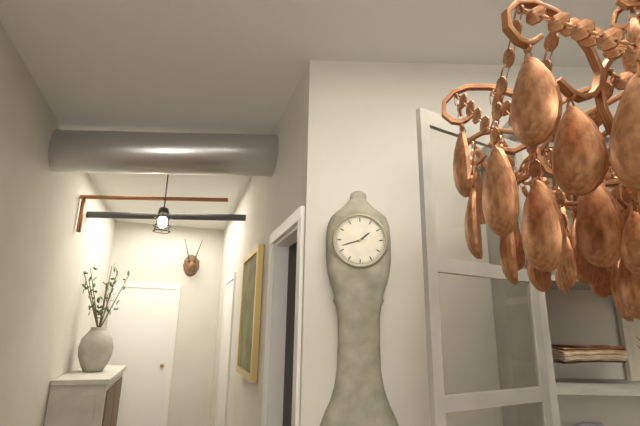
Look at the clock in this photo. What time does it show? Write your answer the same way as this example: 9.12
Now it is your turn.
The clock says 1.42
